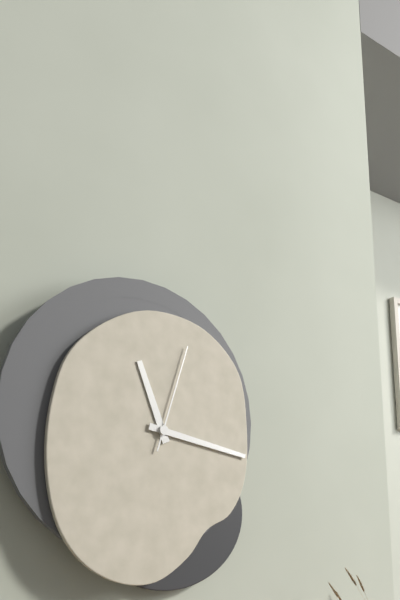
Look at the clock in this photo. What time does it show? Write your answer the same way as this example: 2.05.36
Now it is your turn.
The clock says 11.17.03
